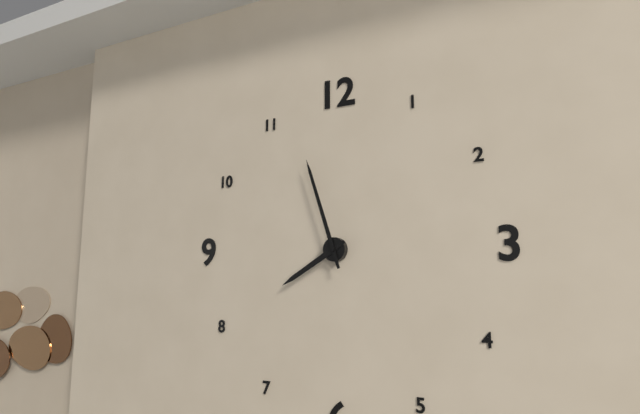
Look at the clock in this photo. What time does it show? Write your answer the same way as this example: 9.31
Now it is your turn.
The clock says 7.57
